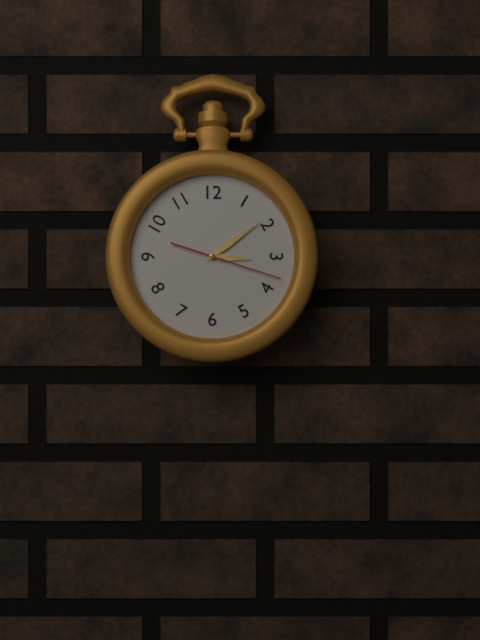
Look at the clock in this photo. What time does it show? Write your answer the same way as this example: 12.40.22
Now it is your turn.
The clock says 3.09.18
